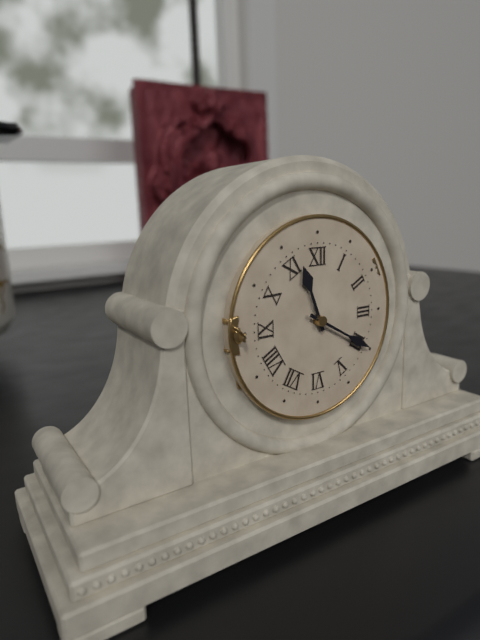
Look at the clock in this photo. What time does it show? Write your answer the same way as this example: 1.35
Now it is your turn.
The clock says 11.20
